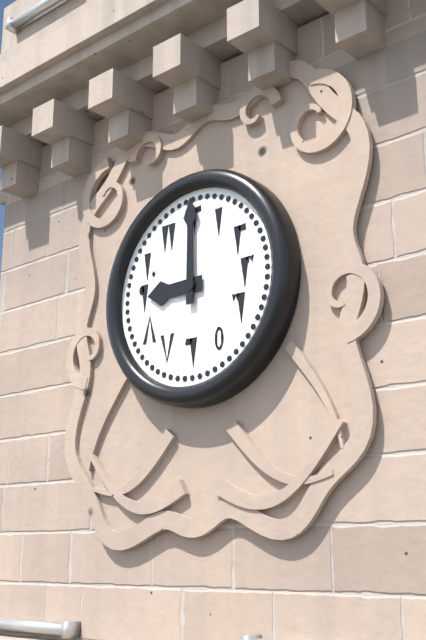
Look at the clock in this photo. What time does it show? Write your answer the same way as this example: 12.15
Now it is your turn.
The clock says 9.00
